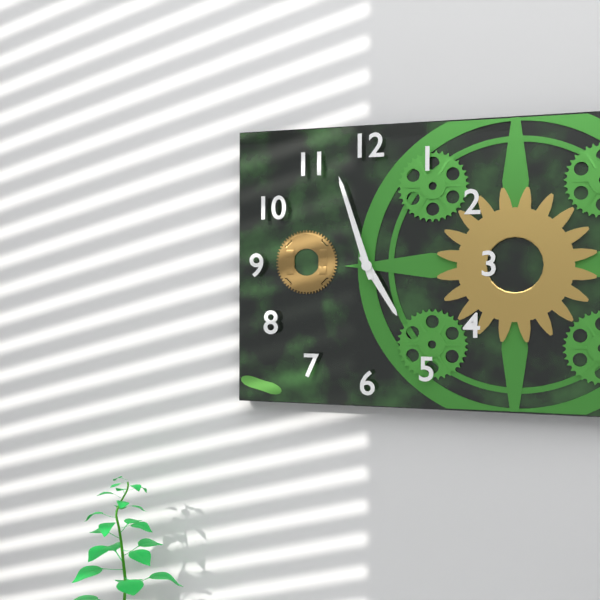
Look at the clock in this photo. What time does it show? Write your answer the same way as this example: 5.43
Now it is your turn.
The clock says 4.57
